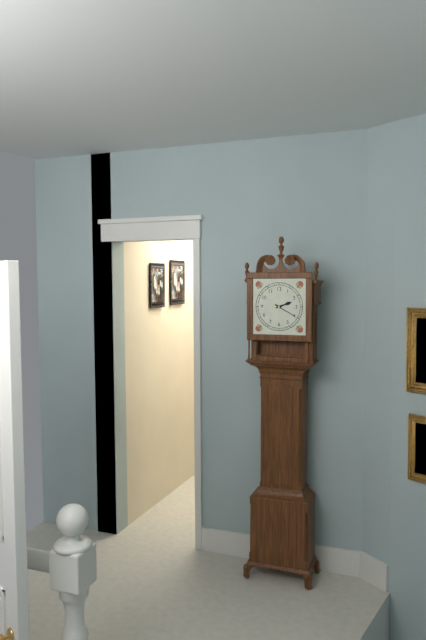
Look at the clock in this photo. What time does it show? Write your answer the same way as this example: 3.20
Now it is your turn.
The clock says 2.20
